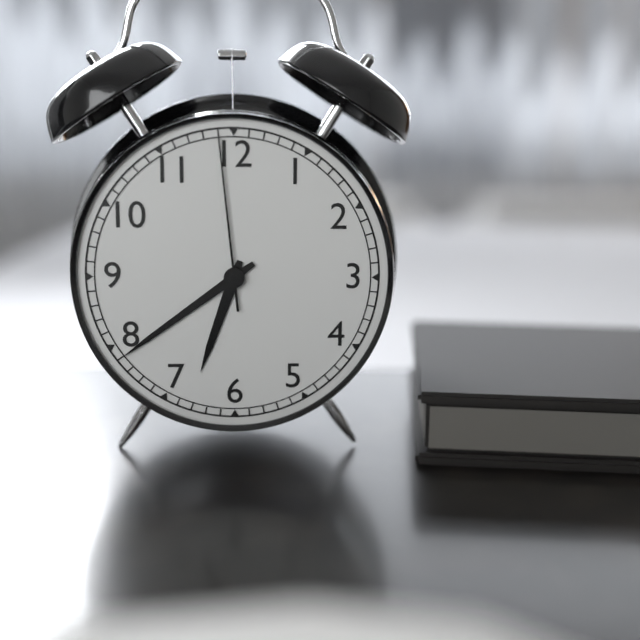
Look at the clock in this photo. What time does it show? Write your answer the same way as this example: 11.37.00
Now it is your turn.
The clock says 6.39.59
